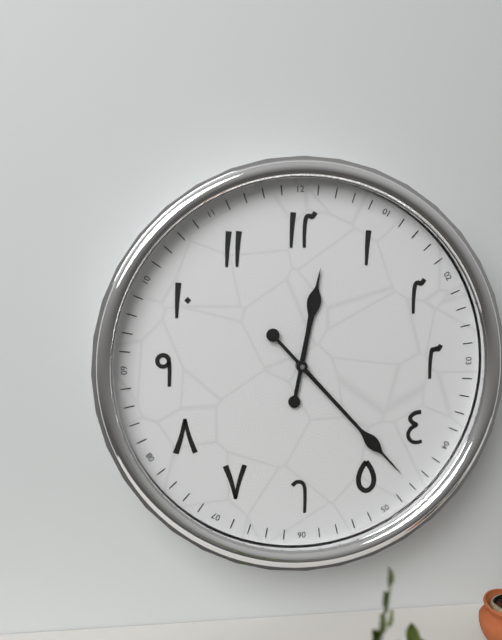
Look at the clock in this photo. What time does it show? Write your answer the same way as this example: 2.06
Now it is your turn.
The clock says 12.23
